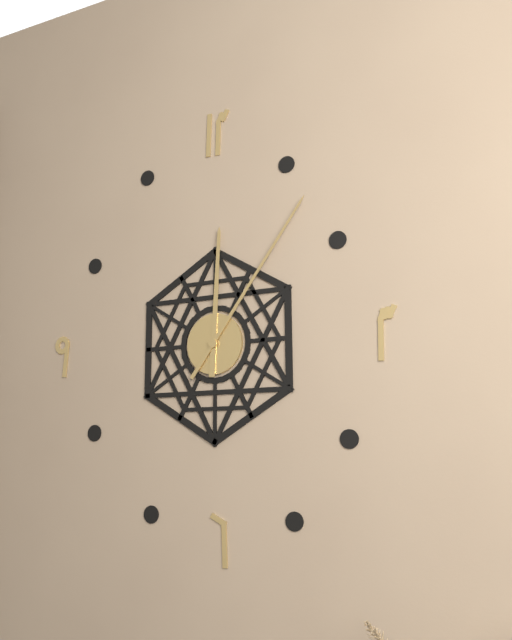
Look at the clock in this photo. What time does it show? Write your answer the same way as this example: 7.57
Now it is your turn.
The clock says 12.06
